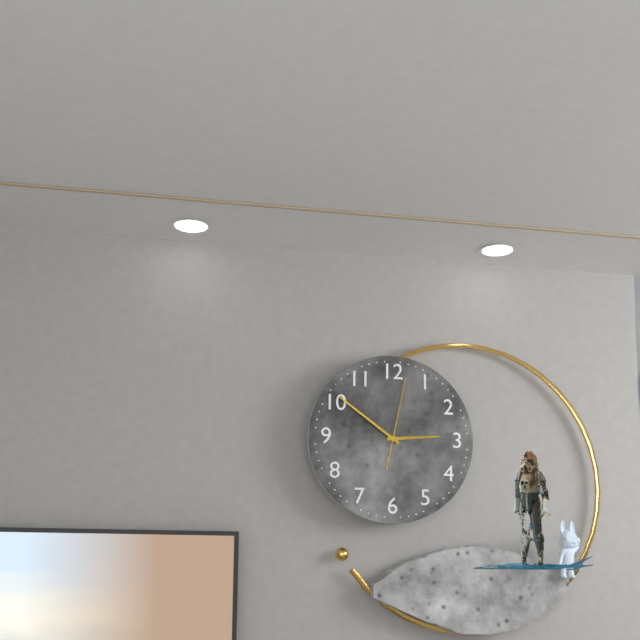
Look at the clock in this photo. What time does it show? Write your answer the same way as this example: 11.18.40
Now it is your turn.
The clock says 2.51.02
